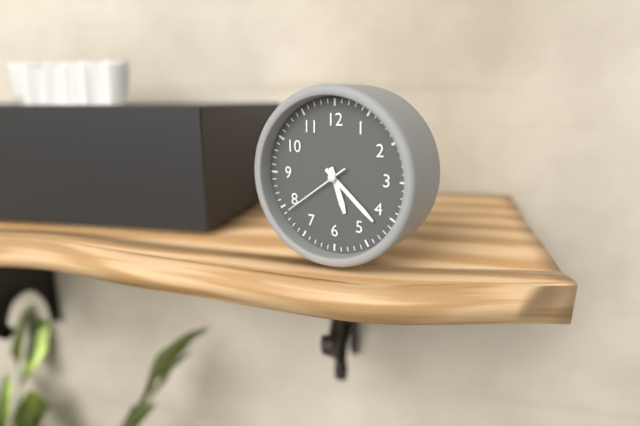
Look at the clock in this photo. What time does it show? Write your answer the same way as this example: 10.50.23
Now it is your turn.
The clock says 5.22.39
